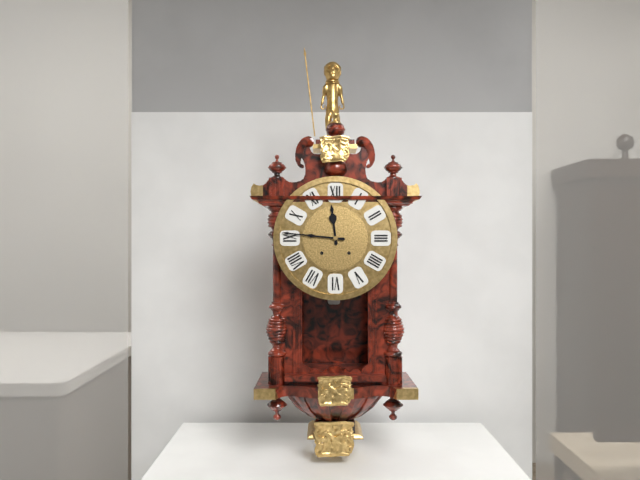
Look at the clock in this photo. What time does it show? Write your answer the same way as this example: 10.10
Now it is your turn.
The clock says 11.46
